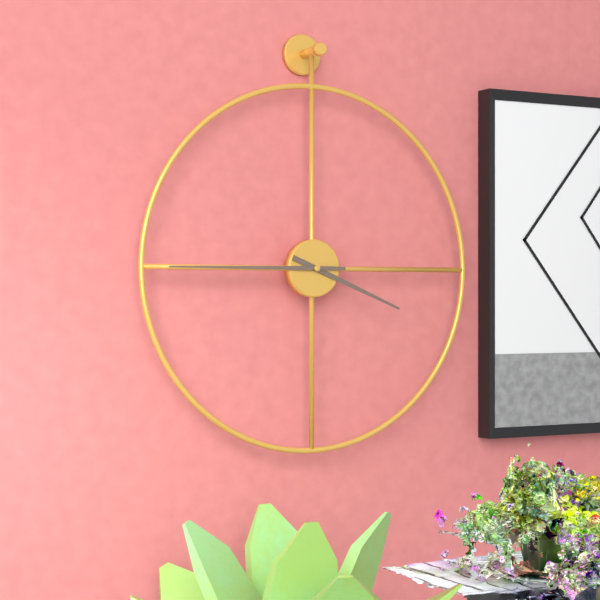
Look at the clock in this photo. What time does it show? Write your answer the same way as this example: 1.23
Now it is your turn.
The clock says 3.45
